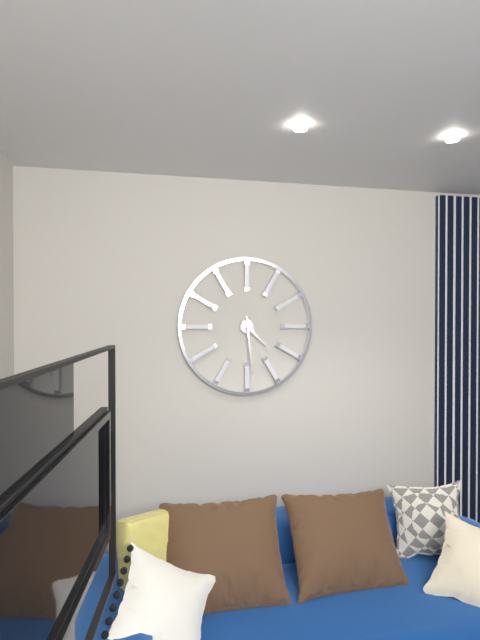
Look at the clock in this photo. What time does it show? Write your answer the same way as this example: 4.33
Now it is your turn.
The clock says 4.29
